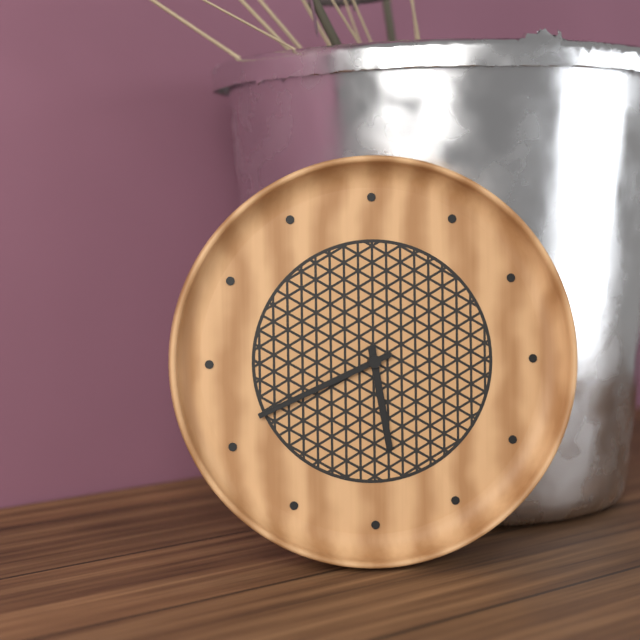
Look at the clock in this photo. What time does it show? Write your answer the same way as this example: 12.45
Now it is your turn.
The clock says 5.41
